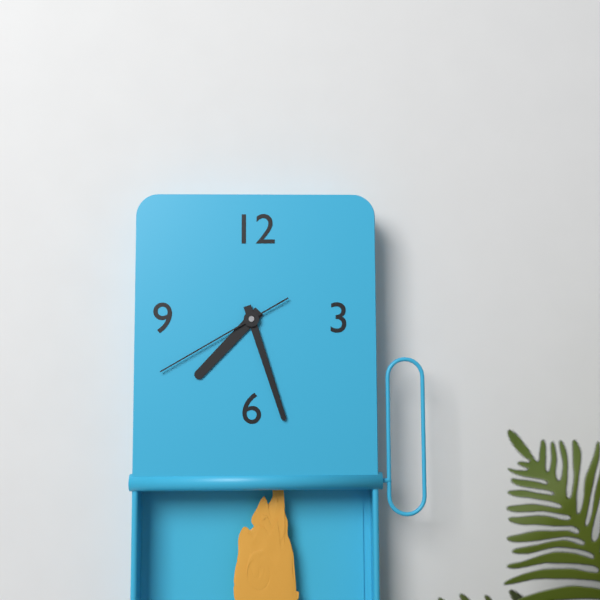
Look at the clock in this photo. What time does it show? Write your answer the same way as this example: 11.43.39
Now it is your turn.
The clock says 7.27.40
